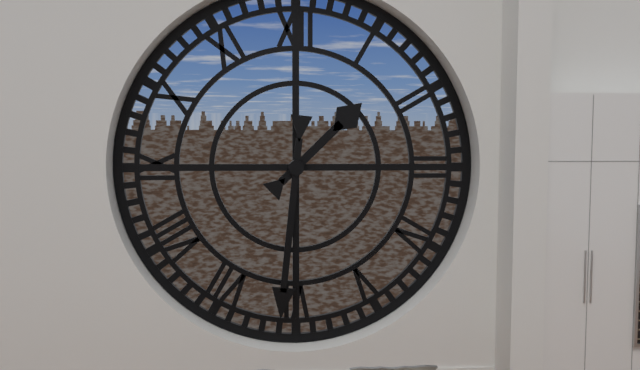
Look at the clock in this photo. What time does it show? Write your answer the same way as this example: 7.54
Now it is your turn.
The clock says 1.31
